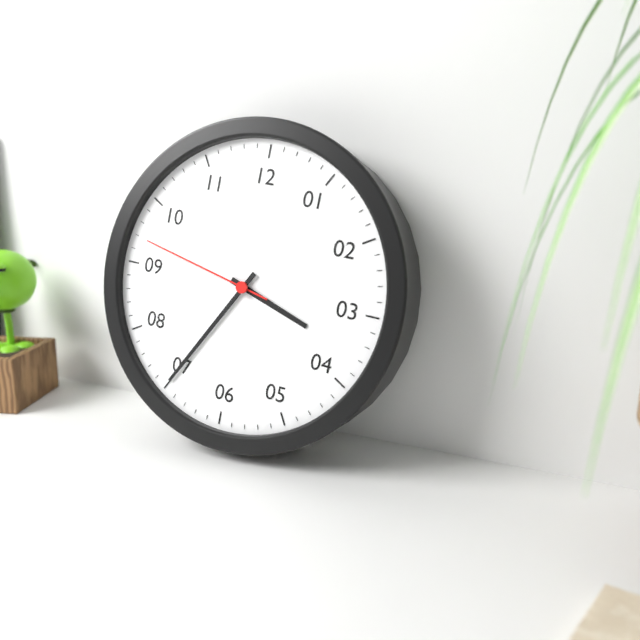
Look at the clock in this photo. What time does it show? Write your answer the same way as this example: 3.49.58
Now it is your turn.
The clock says 3.35.47
